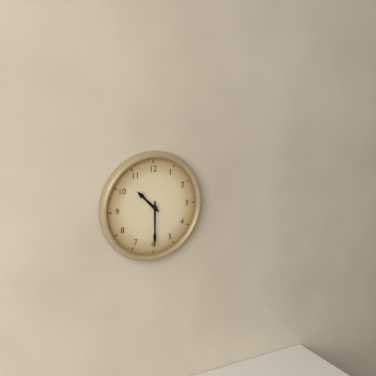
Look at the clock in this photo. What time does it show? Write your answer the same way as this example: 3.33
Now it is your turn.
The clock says 10.30
